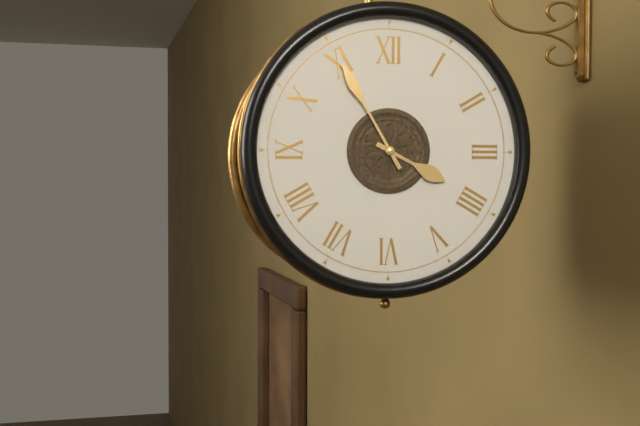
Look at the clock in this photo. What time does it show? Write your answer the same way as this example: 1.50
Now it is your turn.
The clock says 3.55
